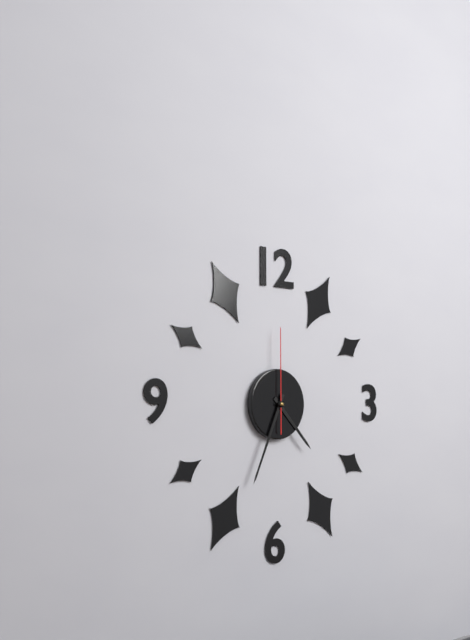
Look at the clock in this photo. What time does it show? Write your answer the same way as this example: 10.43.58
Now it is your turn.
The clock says 4.34.00
